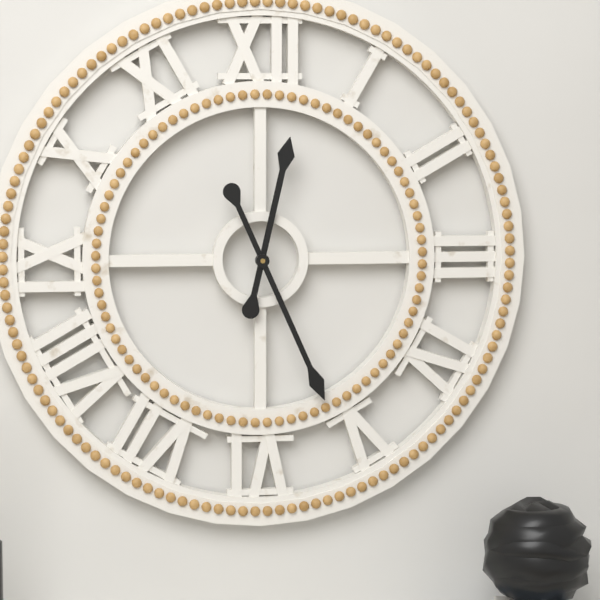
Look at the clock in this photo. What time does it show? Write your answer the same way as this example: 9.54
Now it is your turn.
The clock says 12.26
